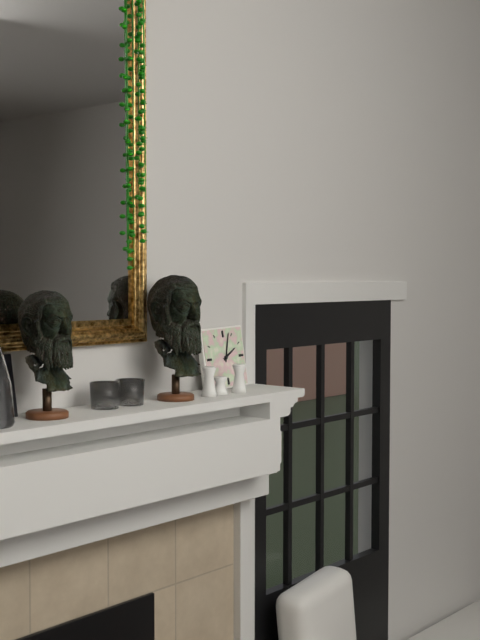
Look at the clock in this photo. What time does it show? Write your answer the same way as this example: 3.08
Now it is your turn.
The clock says 2.03
